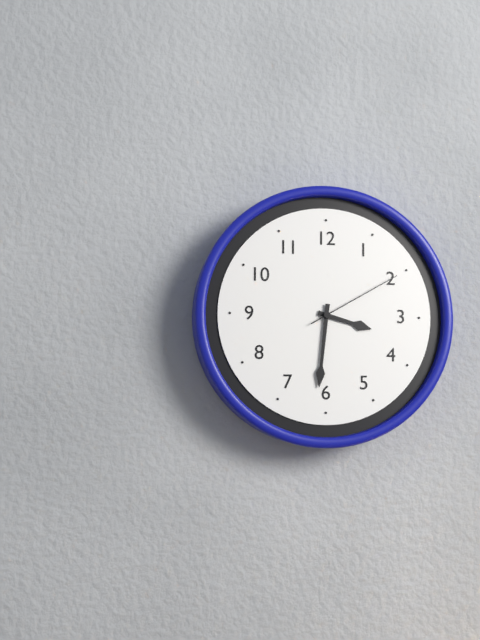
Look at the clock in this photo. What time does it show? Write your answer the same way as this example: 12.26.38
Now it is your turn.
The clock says 3.31.10
